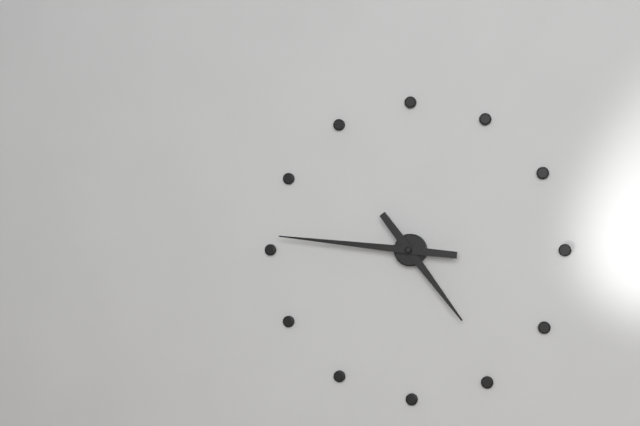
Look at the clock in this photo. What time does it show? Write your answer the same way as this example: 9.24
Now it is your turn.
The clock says 4.46
